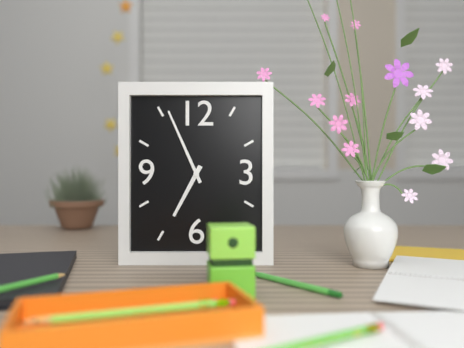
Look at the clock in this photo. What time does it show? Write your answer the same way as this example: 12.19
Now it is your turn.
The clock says 6.56
